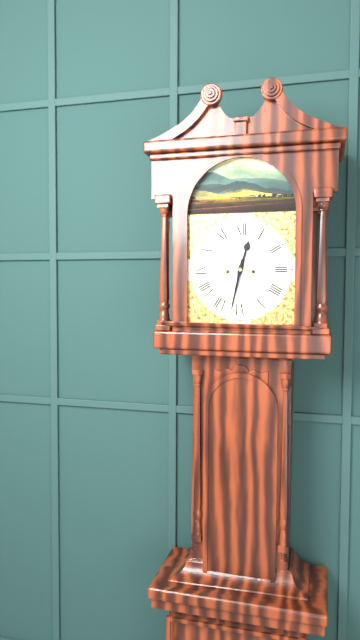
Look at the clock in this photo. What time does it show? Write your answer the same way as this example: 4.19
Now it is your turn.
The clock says 12.32
